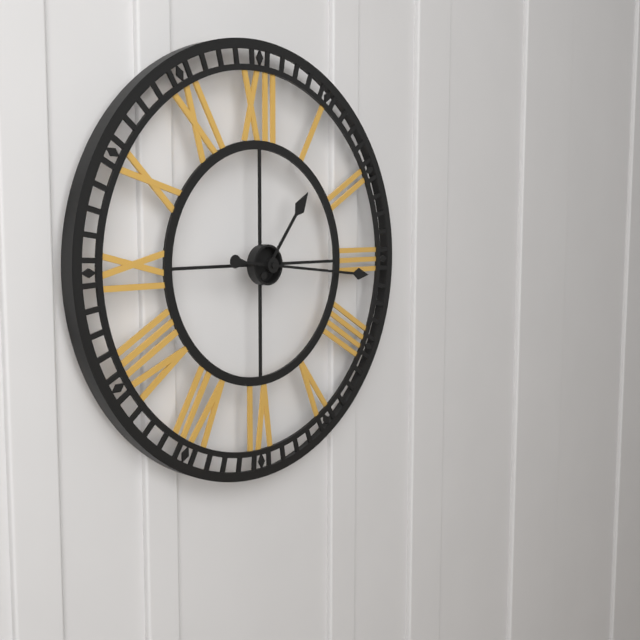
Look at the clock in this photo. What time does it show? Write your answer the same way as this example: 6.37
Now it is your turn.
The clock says 1.16
